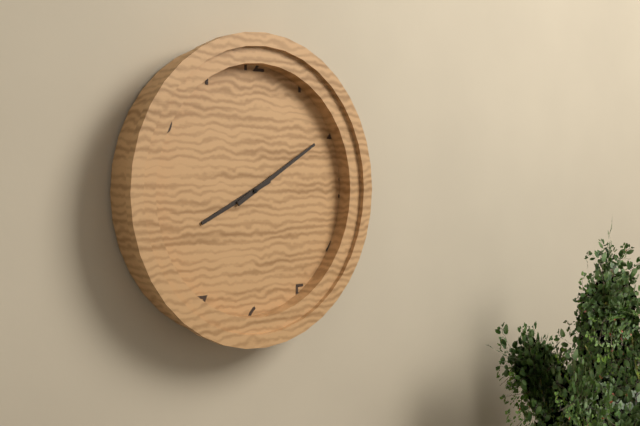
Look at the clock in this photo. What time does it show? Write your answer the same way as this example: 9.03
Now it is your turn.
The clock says 8.10
